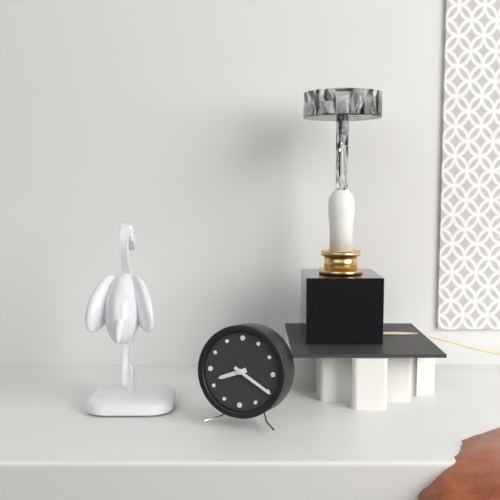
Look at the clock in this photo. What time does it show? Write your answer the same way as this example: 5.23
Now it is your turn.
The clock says 8.20
